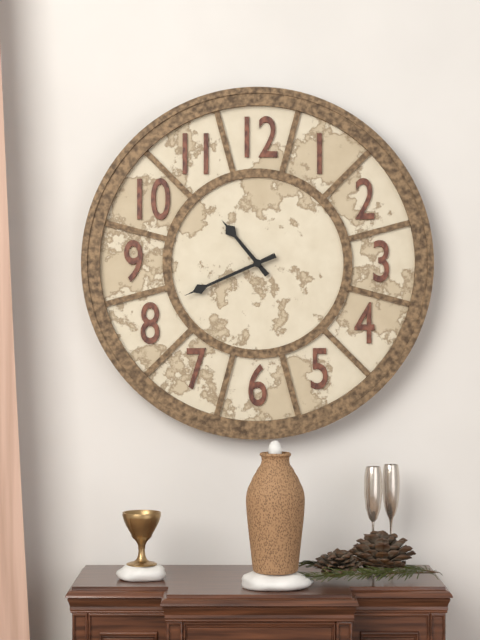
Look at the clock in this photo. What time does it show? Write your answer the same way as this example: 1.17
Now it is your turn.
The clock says 10.41
